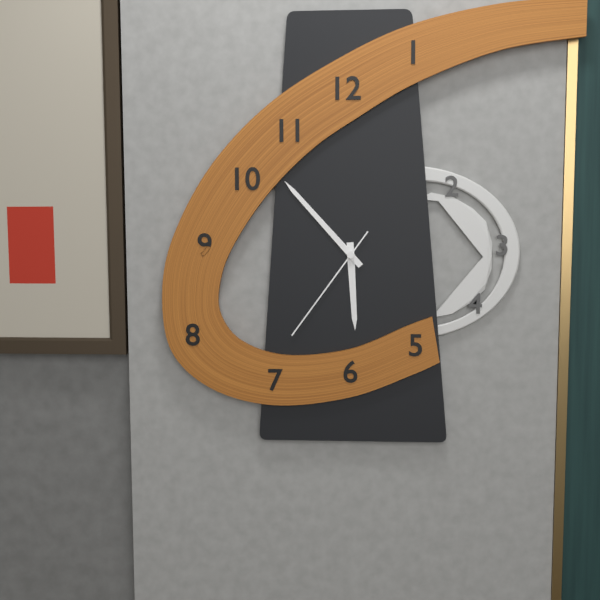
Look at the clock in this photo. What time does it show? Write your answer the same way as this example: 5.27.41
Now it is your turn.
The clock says 5.53.36
